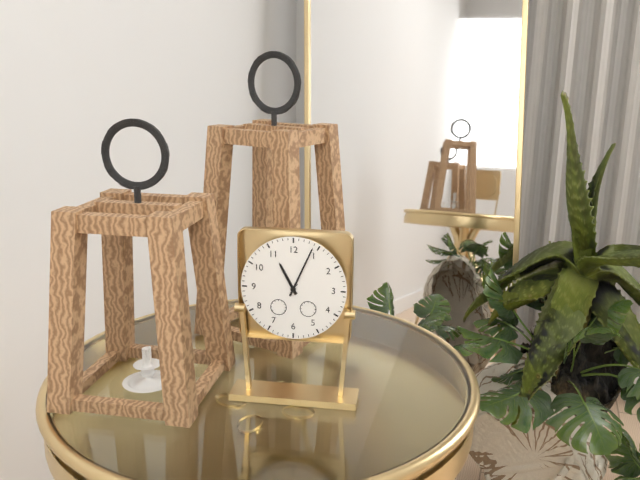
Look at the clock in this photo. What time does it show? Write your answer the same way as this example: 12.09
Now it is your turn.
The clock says 11.04
